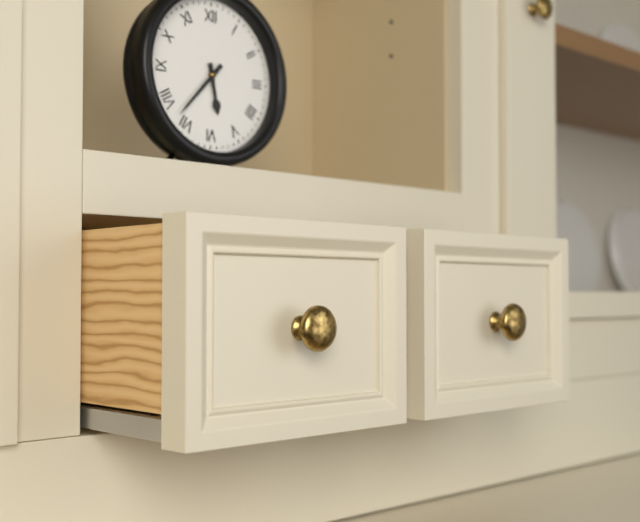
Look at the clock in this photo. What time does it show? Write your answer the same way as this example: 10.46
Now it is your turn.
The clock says 5.37
